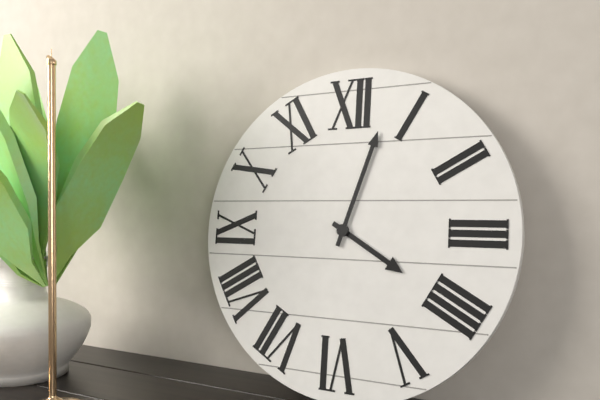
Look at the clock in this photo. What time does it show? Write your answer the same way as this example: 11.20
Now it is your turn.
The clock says 4.03
